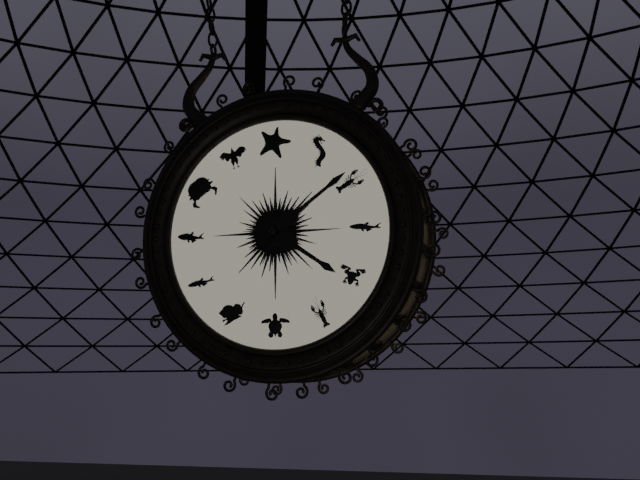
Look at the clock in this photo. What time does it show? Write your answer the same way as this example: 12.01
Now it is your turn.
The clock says 4.09
